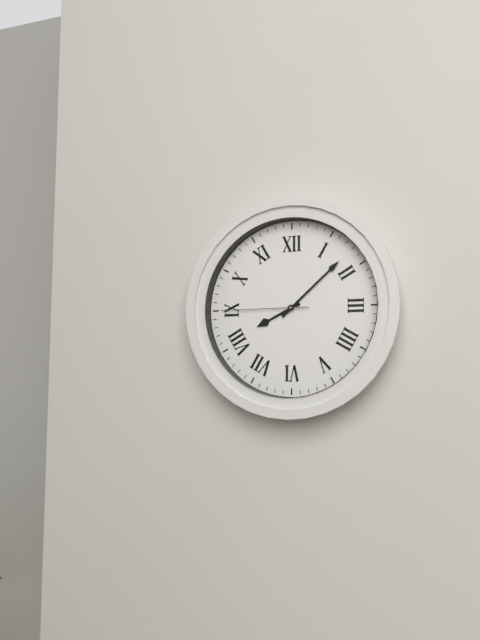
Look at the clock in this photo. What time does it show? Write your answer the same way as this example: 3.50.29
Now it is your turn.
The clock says 8.08.45
